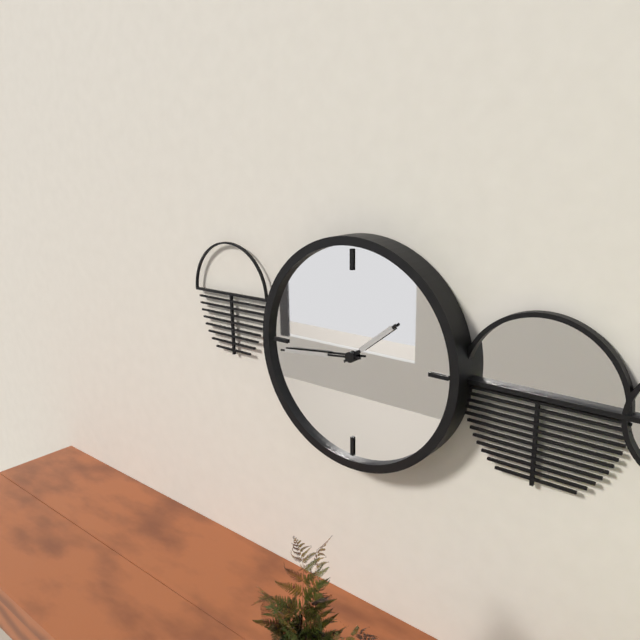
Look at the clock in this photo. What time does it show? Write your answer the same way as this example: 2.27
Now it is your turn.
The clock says 1.44
